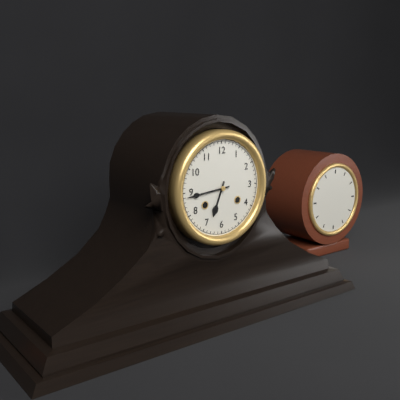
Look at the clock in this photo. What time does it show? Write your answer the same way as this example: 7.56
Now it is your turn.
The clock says 6.44
